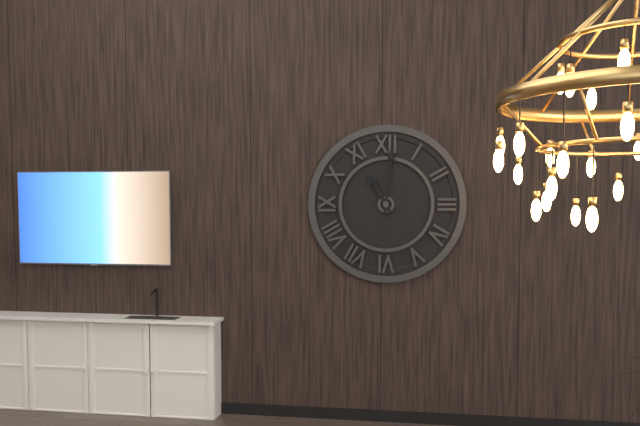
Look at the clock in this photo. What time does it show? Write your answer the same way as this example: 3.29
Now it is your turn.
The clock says 11.01
